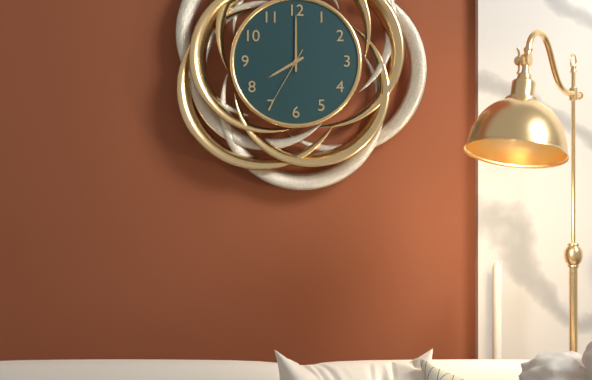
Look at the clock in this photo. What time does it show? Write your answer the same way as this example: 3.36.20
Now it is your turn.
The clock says 8.00.35
